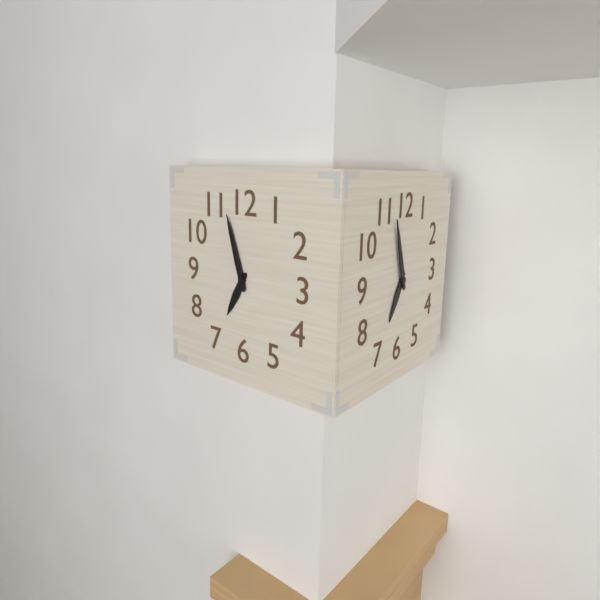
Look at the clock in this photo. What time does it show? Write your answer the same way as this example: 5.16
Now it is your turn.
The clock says 6.57
